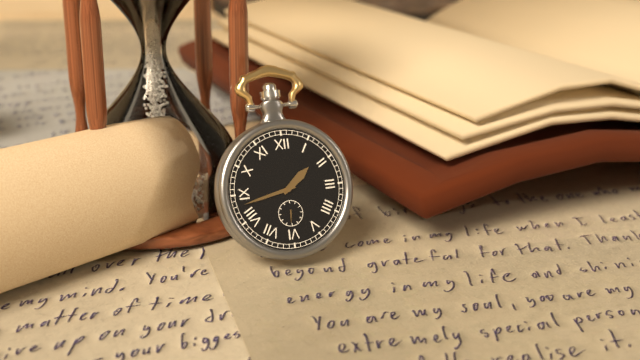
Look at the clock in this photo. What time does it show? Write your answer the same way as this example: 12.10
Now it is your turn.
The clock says 1.43
